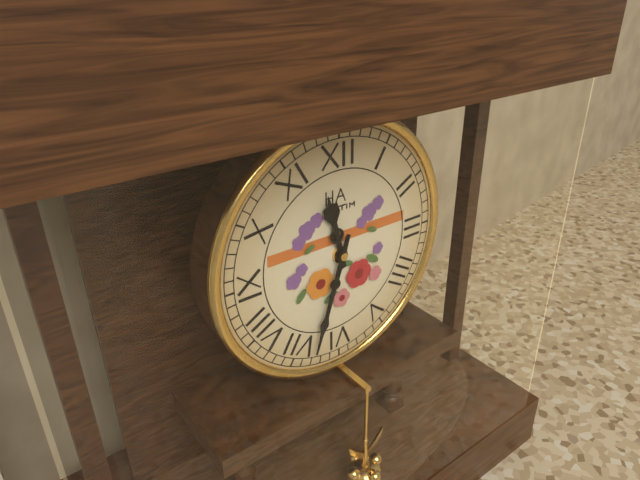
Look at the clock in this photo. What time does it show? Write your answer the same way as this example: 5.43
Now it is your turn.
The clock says 11.33
